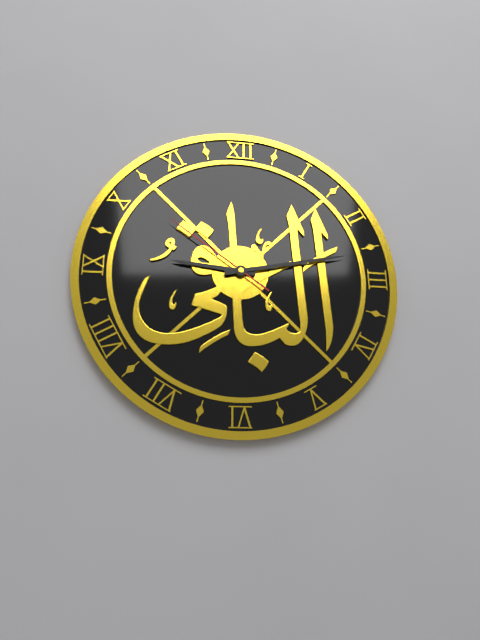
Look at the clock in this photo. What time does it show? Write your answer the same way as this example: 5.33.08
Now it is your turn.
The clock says 9.13.51
